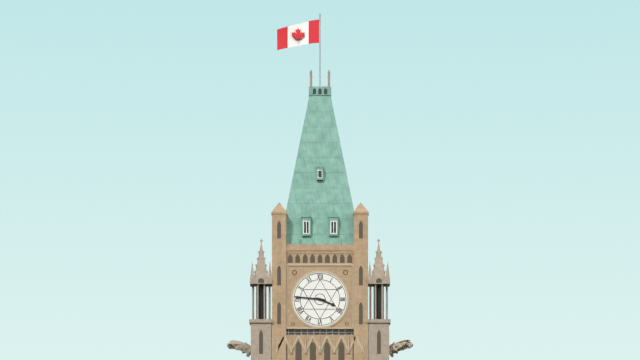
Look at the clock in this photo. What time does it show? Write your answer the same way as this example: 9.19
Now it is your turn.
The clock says 3.46
